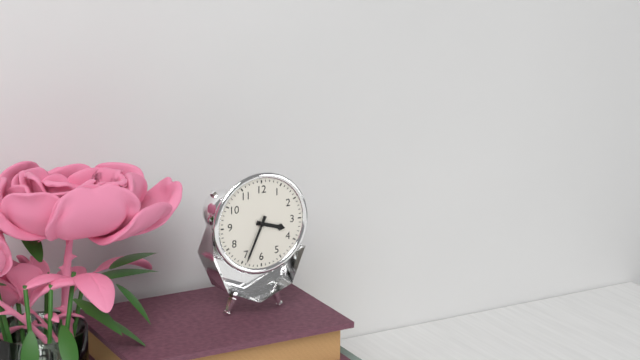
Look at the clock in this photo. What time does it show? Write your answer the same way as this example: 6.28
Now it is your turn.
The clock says 3.34
